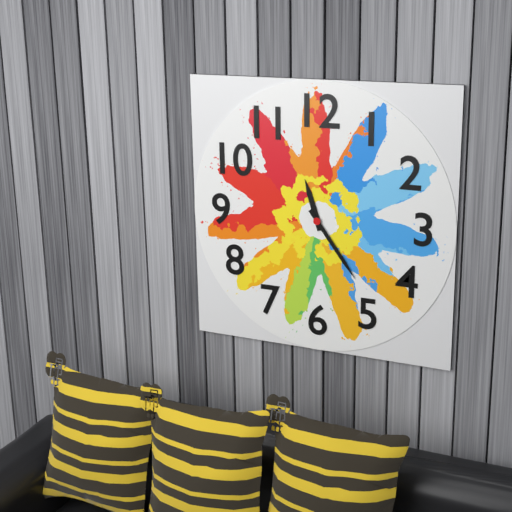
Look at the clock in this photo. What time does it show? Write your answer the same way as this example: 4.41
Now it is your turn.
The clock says 11.24
